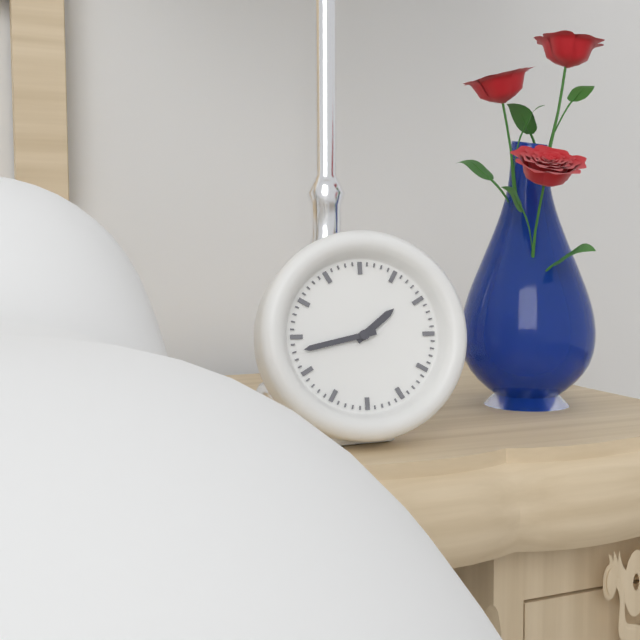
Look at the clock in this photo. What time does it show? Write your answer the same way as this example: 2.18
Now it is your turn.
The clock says 1.43
